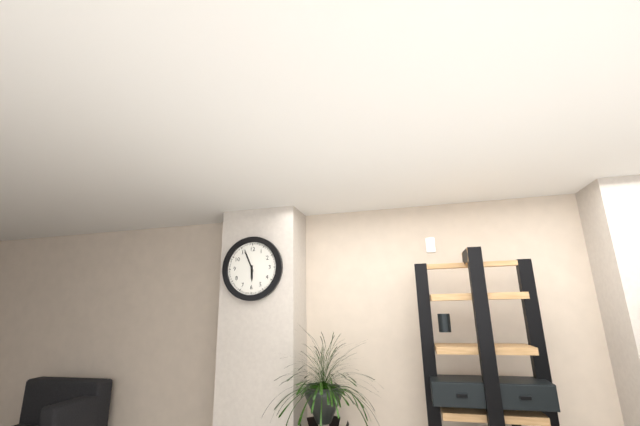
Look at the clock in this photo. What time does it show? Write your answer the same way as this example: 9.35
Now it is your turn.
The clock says 5.56
